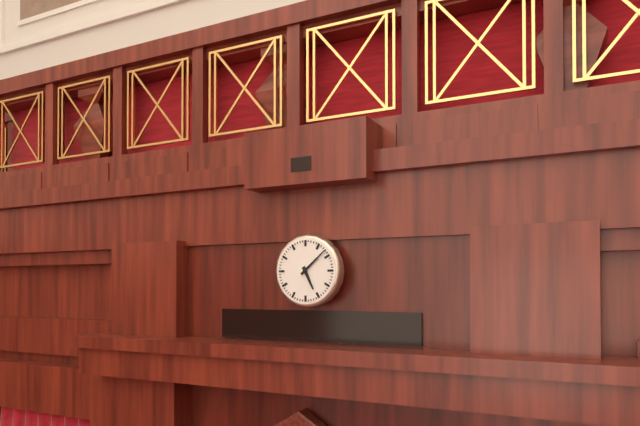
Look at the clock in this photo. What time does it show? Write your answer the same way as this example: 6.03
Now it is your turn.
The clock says 5.08
